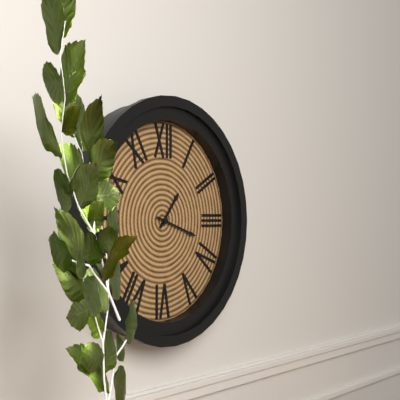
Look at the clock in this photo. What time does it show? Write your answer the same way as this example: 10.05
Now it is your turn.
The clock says 1.18
